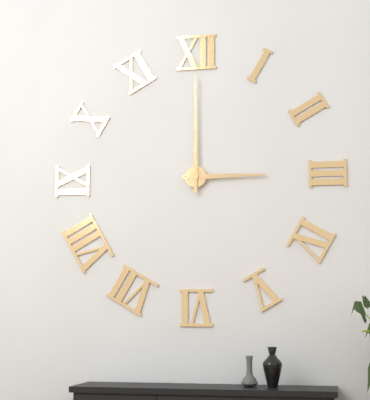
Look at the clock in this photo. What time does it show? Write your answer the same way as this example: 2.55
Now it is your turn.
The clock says 3.00
